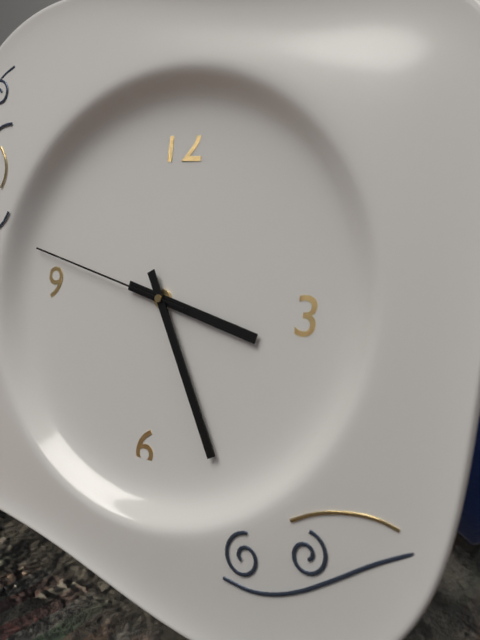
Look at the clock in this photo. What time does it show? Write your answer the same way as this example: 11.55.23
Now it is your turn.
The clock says 3.25.47
